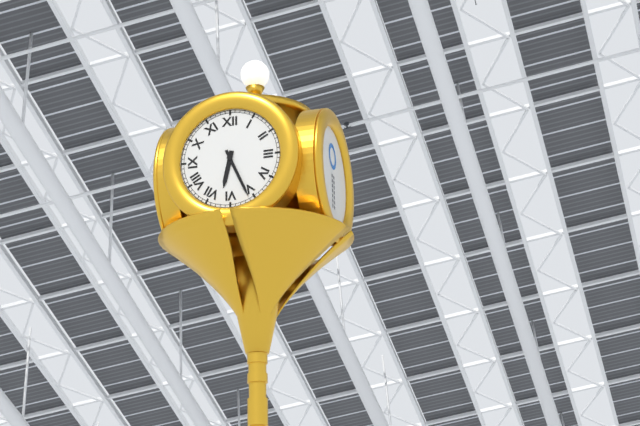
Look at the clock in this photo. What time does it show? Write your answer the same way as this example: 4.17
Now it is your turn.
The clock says 6.26
